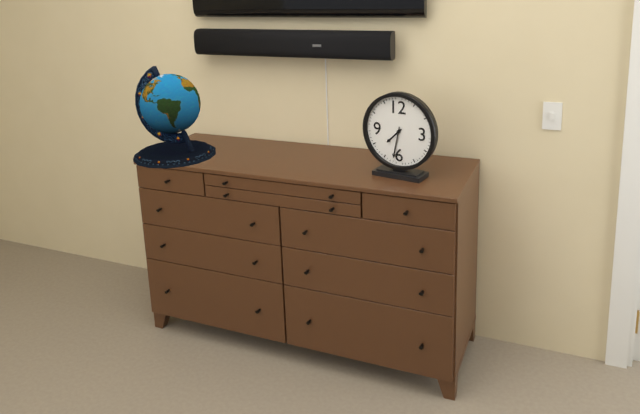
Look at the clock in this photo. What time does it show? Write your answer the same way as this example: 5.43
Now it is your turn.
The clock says 7.32
